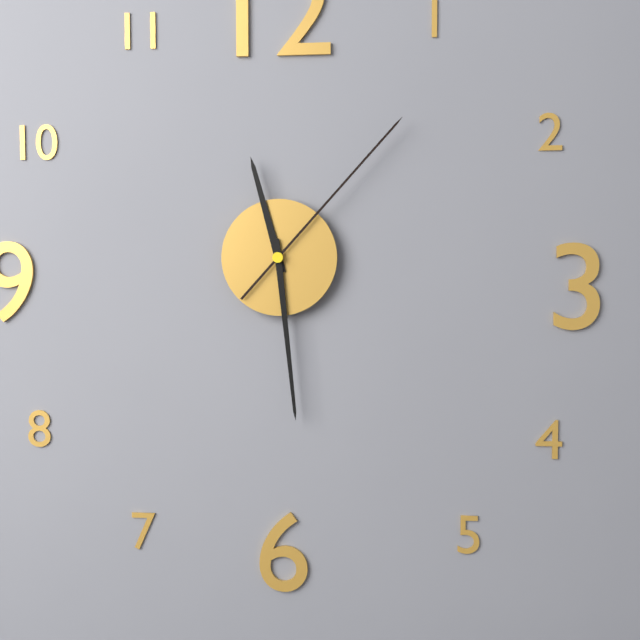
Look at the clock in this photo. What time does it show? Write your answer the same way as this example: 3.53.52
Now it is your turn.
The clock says 11.29.07
